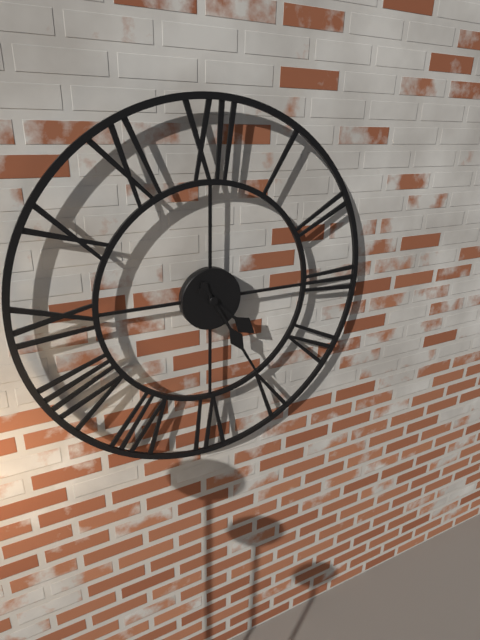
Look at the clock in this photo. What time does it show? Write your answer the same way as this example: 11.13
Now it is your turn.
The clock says 4.25
